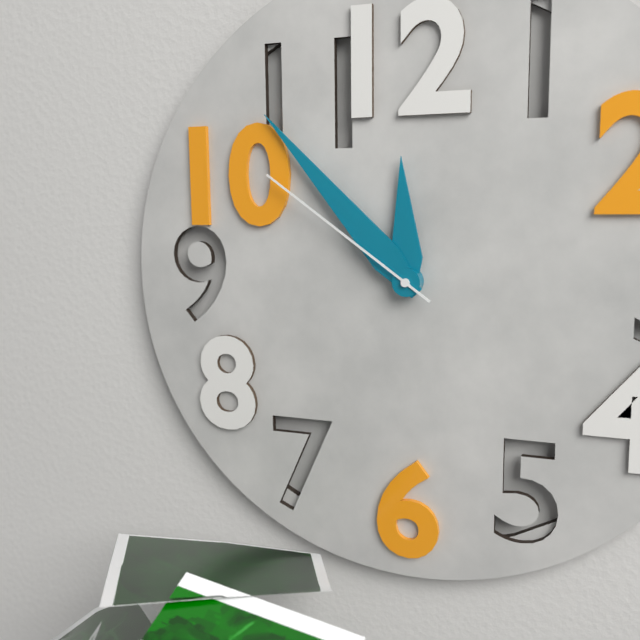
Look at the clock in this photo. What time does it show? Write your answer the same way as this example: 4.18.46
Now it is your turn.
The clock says 11.53.51
